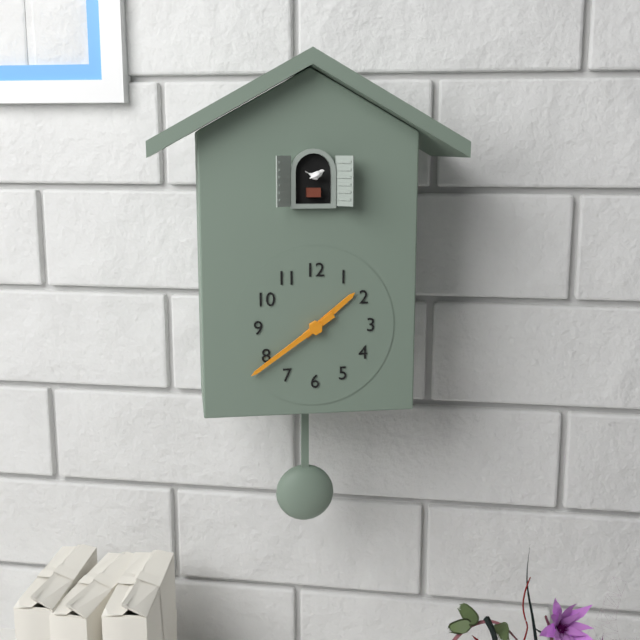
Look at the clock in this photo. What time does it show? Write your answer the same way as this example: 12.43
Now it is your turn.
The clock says 1.39
